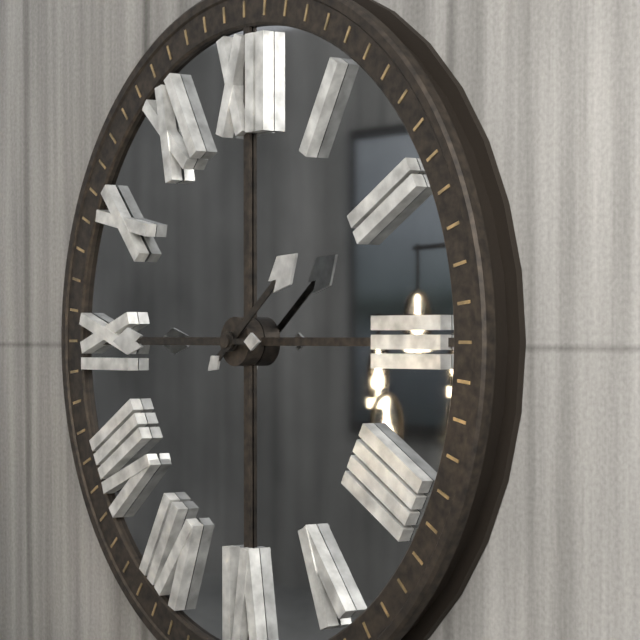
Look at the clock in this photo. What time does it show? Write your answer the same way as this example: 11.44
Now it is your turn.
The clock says 1.45
